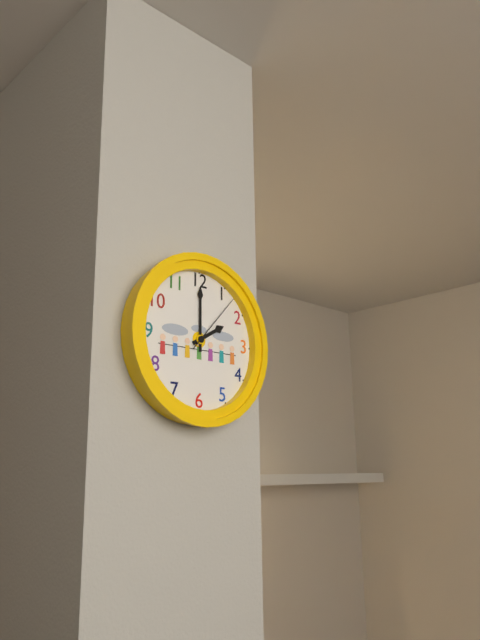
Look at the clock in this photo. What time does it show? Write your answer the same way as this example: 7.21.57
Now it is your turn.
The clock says 2.00.07
